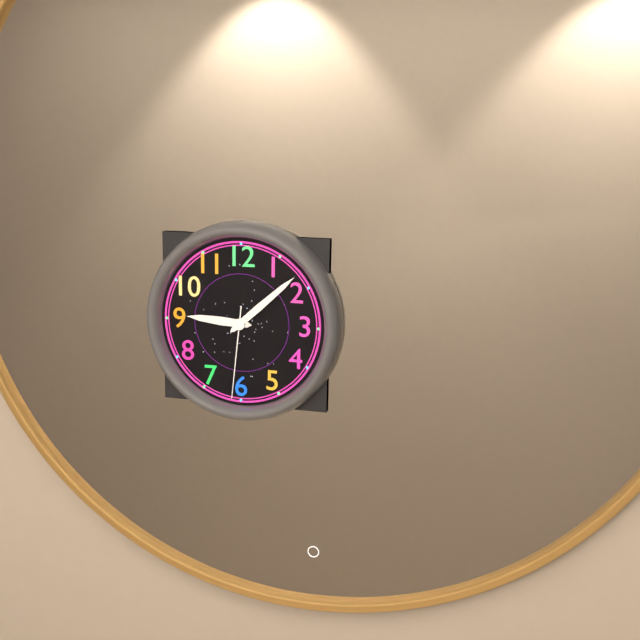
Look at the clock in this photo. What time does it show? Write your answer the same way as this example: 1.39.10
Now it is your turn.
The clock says 9.08.31
